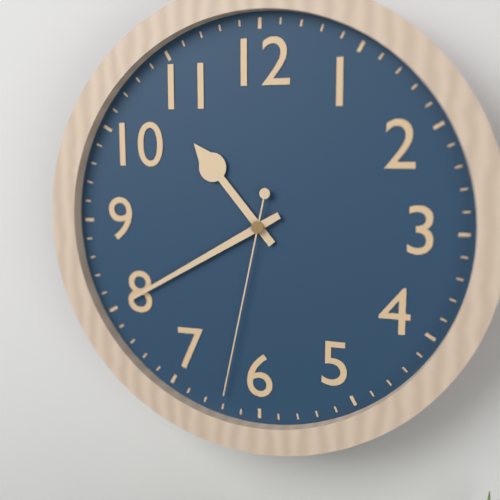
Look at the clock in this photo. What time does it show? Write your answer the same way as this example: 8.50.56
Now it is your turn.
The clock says 10.40.32
